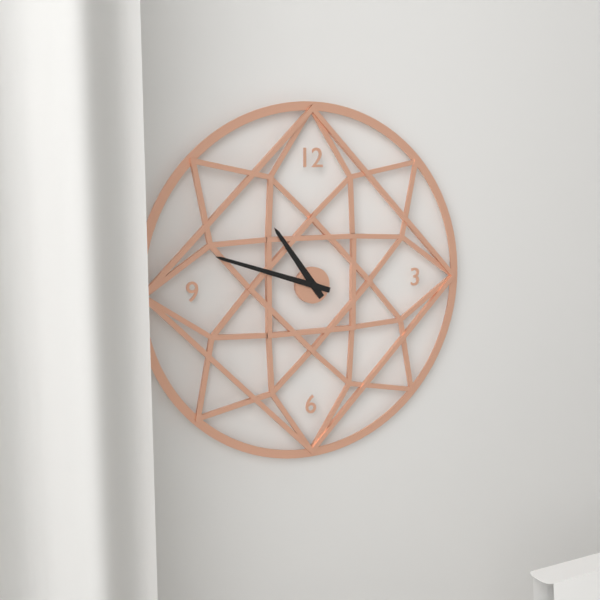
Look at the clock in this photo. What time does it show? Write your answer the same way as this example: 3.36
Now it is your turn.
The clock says 10.48
